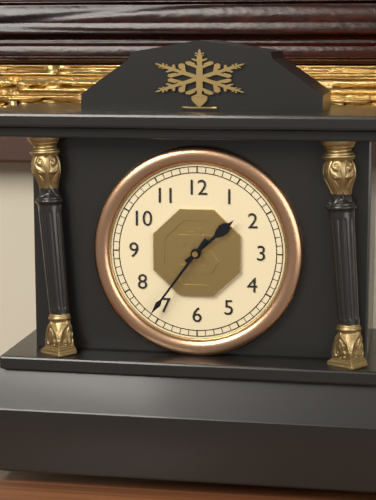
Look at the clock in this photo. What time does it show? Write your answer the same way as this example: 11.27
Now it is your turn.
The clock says 1.36
